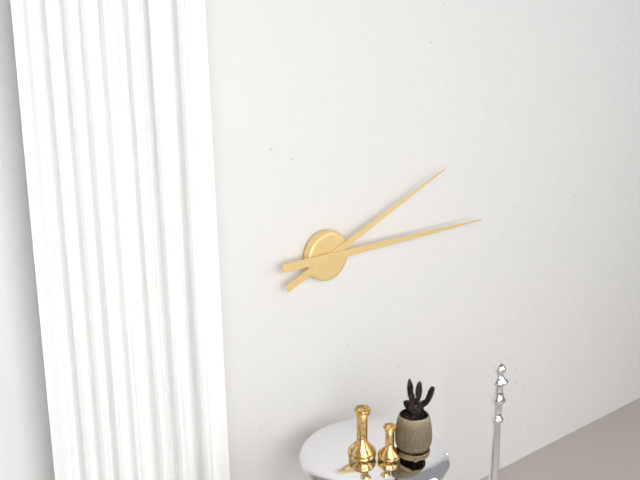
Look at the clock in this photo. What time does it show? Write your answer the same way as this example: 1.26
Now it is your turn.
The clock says 2.15
